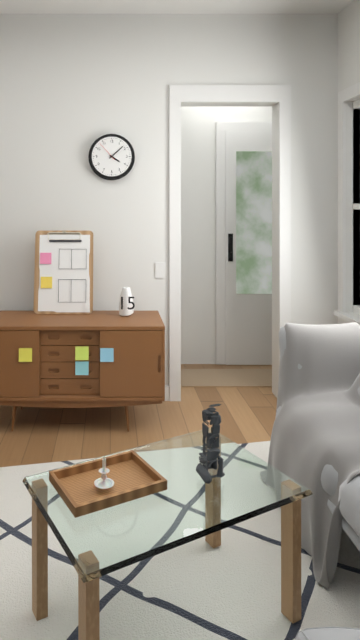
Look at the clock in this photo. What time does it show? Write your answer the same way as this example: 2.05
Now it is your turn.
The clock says 4.08
